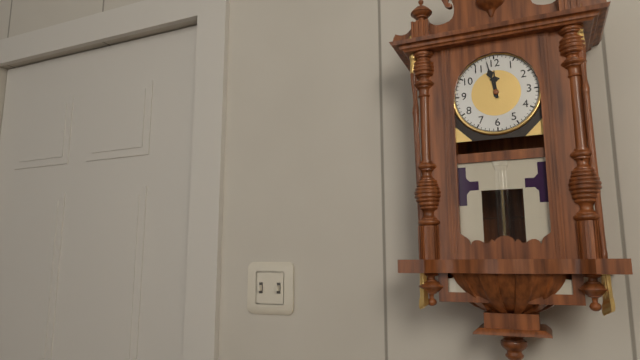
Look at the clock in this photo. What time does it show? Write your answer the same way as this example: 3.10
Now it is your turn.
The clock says 11.58
